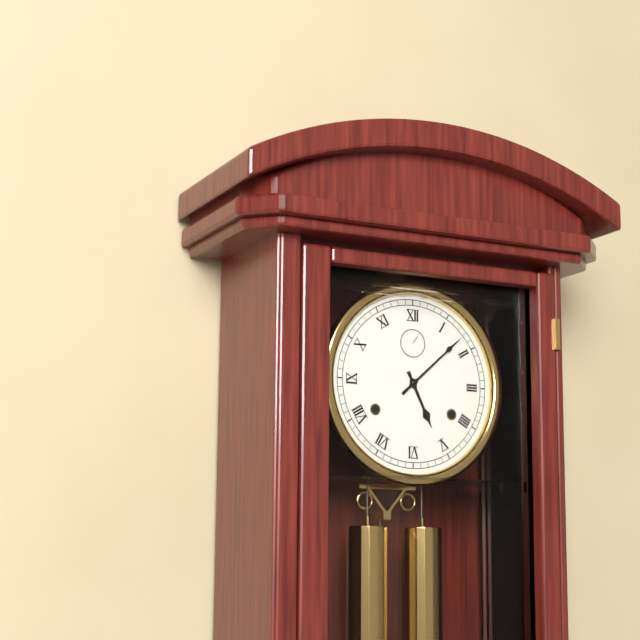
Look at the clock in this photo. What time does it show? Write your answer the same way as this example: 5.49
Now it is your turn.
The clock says 5.08
